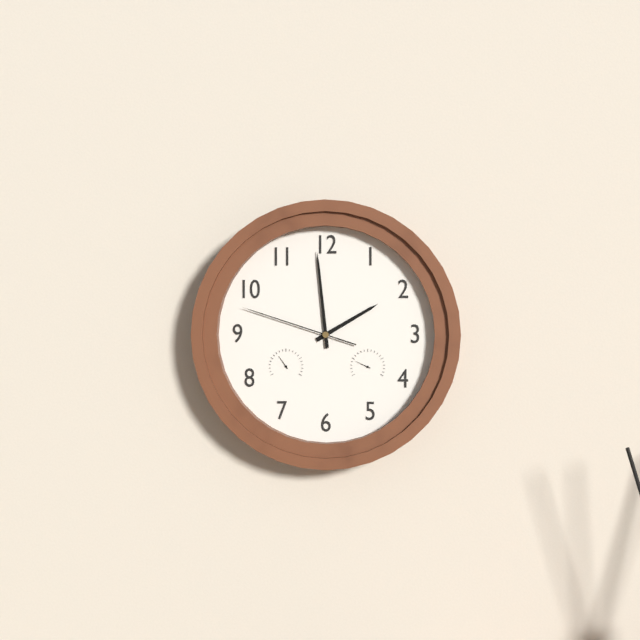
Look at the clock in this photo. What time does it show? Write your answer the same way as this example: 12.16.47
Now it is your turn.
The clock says 1.59.48
